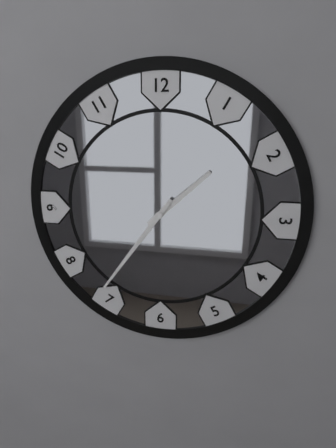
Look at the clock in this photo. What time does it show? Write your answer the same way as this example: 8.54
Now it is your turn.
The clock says 1.36
